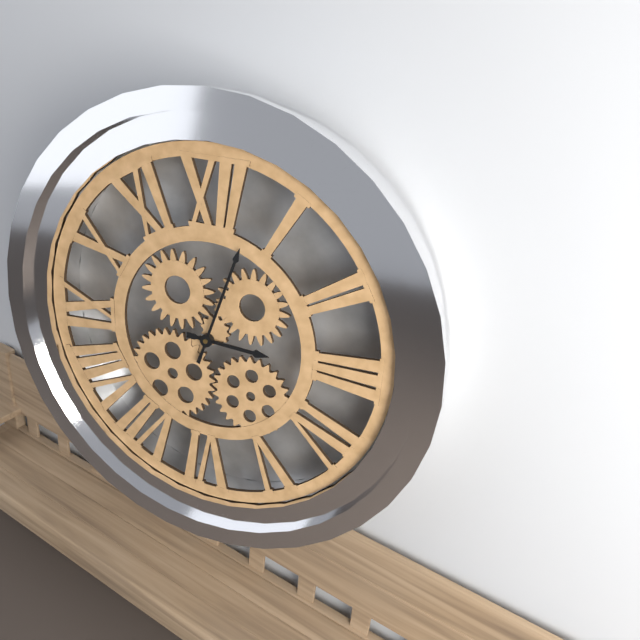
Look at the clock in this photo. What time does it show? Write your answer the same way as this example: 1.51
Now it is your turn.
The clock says 3.03
